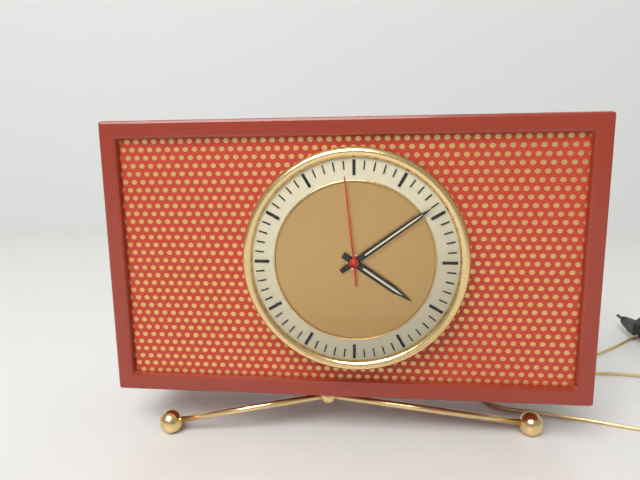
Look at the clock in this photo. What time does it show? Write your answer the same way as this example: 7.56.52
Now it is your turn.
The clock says 4.09.59
